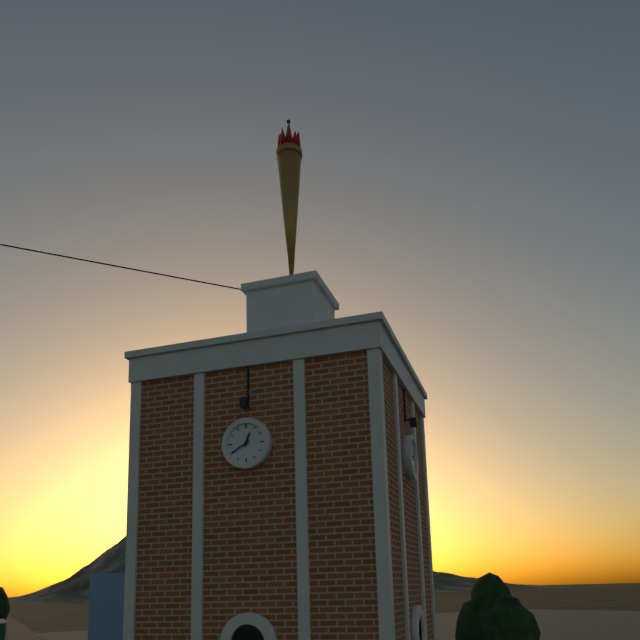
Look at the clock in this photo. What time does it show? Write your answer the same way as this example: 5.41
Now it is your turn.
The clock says 12.40
